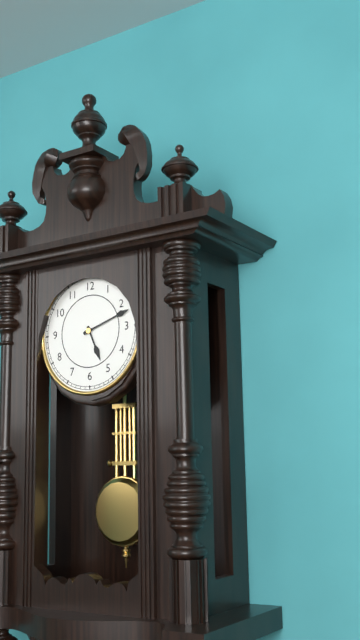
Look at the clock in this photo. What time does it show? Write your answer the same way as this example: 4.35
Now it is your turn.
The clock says 5.12
